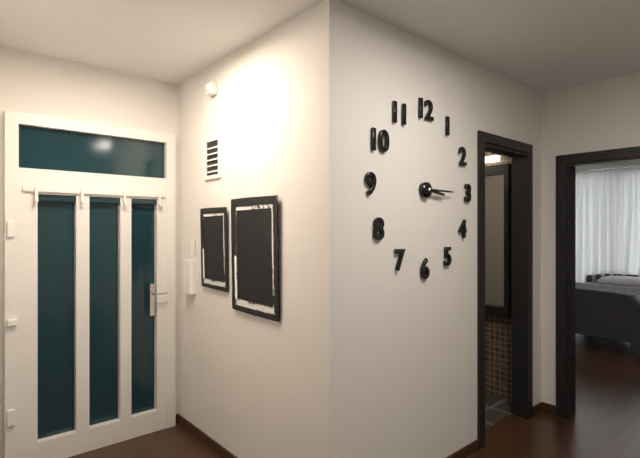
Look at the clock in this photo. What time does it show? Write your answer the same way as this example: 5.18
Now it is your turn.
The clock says 3.15
